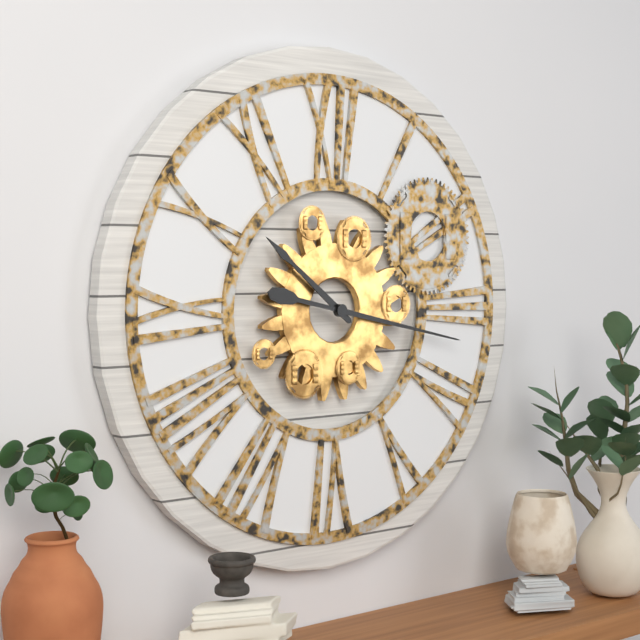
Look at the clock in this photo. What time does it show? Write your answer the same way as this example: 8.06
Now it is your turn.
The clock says 10.17
